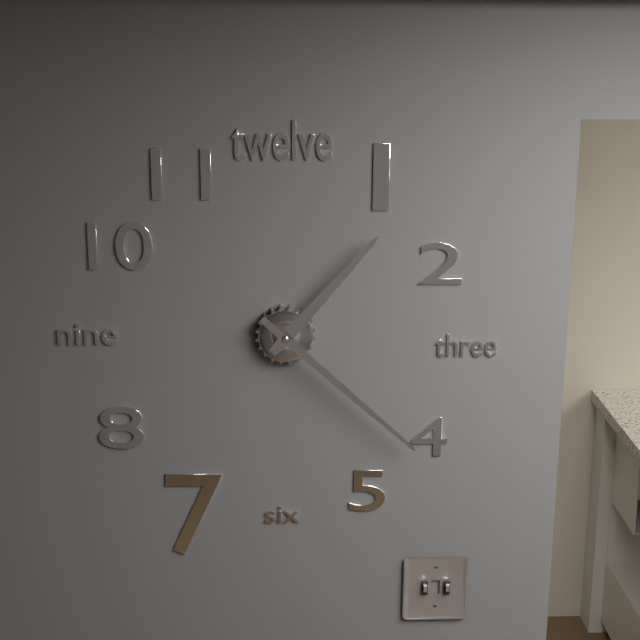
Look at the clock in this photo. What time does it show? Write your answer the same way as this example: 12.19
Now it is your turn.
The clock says 1.22
